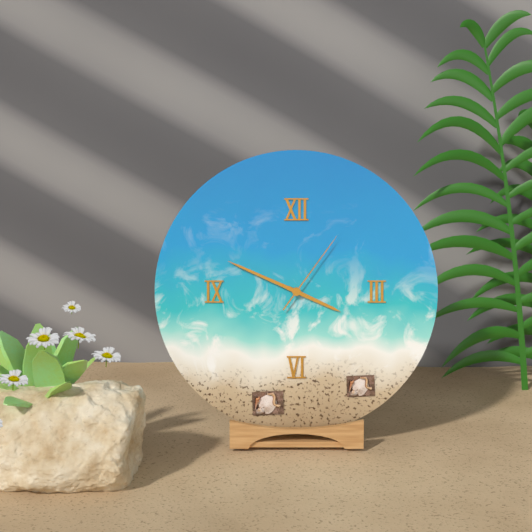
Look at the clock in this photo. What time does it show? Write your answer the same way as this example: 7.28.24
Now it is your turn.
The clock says 3.49.06
